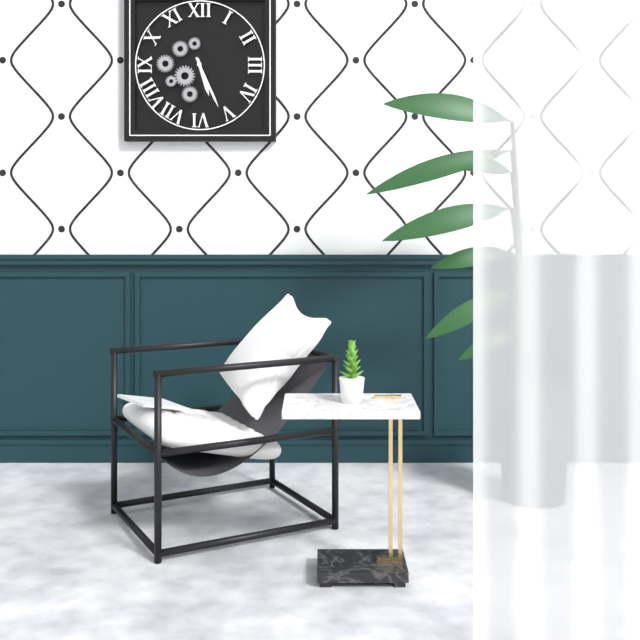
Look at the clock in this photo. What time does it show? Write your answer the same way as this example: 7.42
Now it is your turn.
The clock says 5.26
